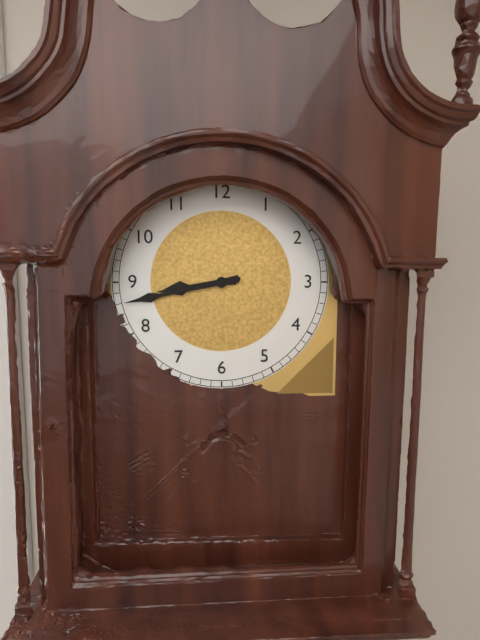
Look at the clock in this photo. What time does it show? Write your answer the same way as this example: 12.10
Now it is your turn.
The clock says 8.43
